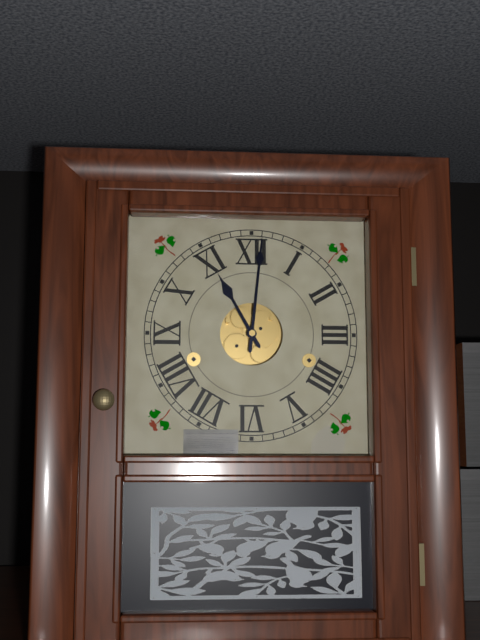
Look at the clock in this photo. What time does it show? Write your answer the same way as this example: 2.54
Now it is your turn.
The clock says 11.01
